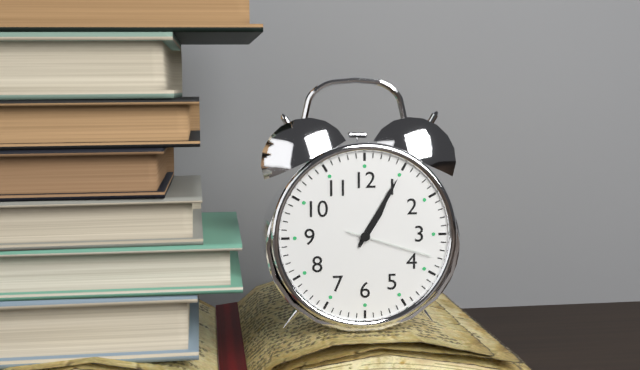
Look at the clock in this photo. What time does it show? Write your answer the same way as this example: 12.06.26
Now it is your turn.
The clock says 1.05.18
